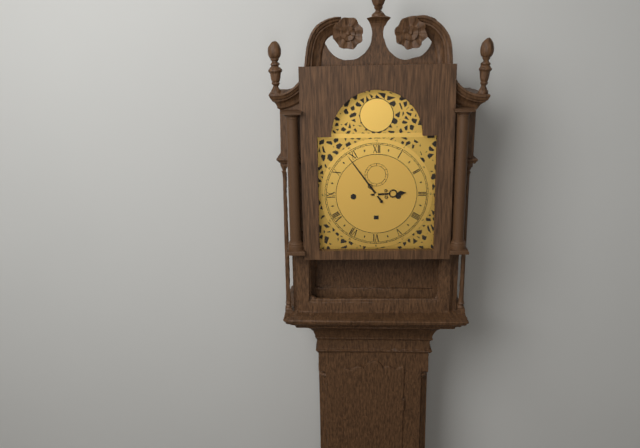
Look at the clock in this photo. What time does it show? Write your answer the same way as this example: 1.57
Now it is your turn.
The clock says 2.54
